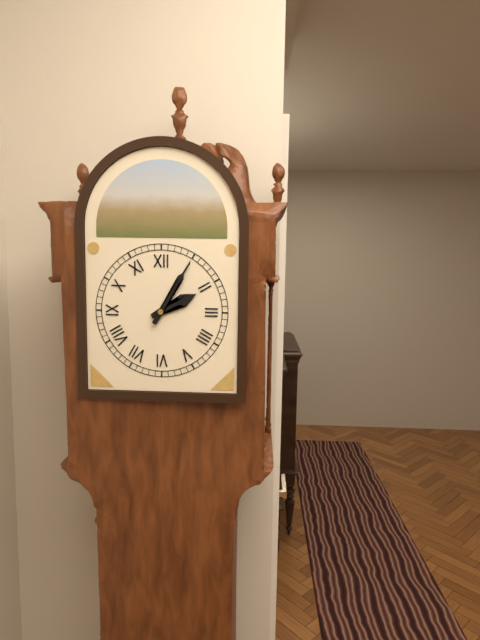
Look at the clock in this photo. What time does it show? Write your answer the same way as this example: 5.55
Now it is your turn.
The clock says 2.05
